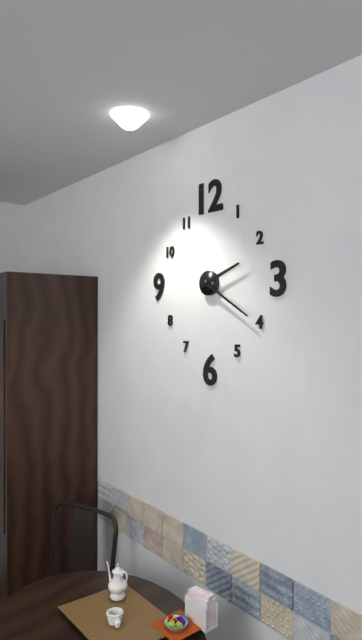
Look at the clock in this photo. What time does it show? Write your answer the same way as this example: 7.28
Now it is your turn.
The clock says 2.20
